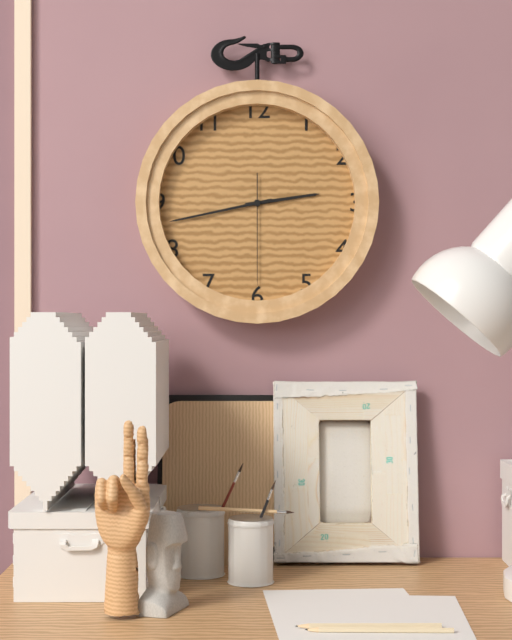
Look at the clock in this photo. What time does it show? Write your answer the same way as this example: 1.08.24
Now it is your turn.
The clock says 2.43.30
